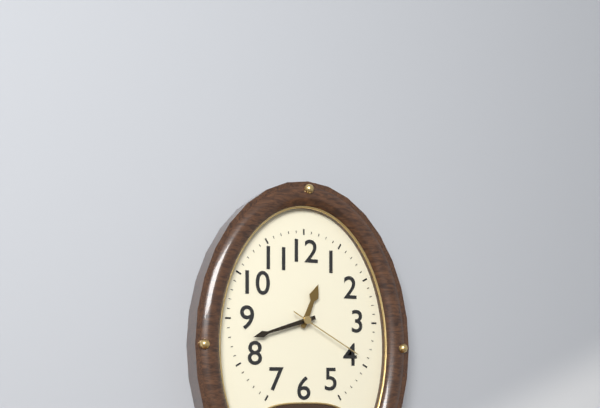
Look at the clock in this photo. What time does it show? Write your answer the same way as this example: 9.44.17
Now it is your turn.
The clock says 12.42.20
